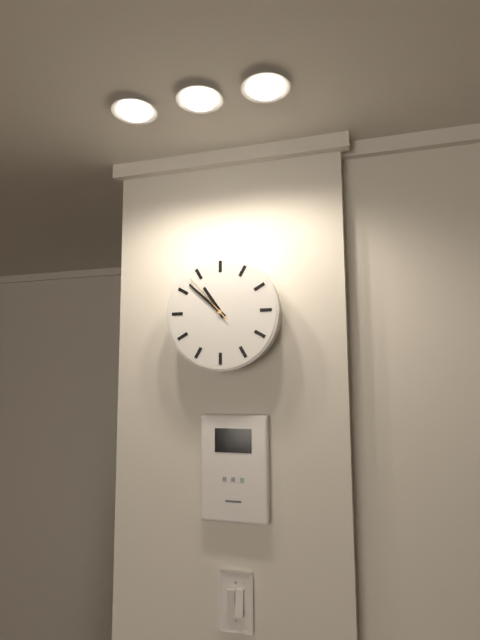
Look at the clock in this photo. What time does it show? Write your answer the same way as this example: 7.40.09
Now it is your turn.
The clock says 10.52.53
